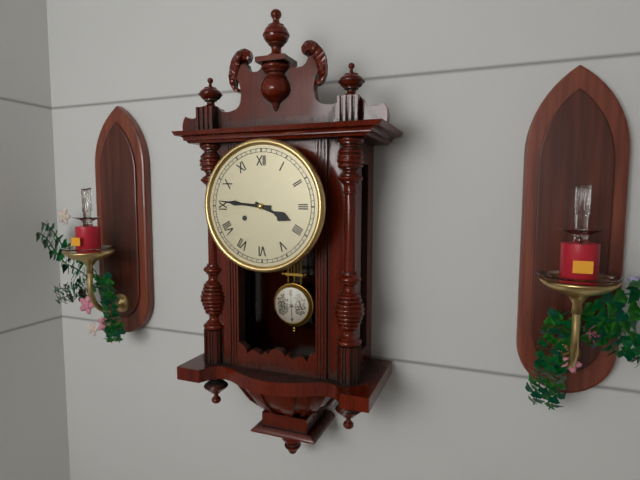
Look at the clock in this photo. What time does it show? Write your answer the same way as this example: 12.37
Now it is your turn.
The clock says 3.46
